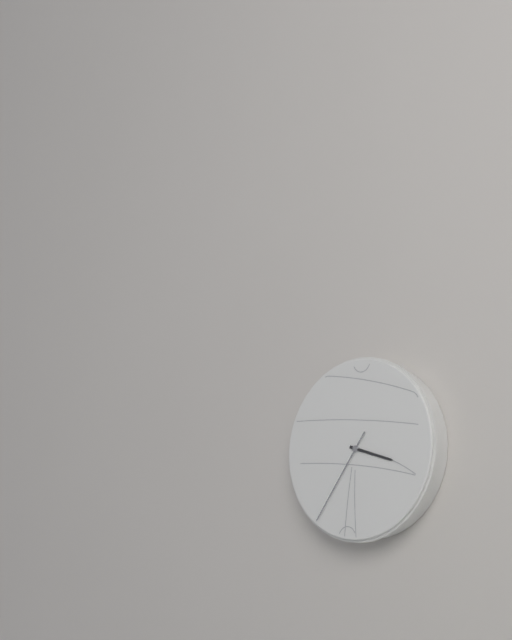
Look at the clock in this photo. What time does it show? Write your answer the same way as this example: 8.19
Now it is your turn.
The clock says 3.36
